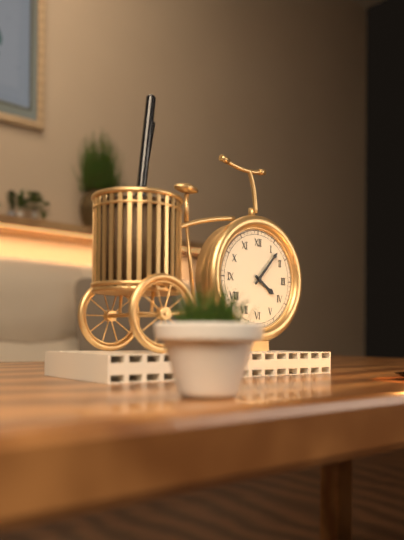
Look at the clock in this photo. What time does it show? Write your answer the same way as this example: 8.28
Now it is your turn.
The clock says 4.07
